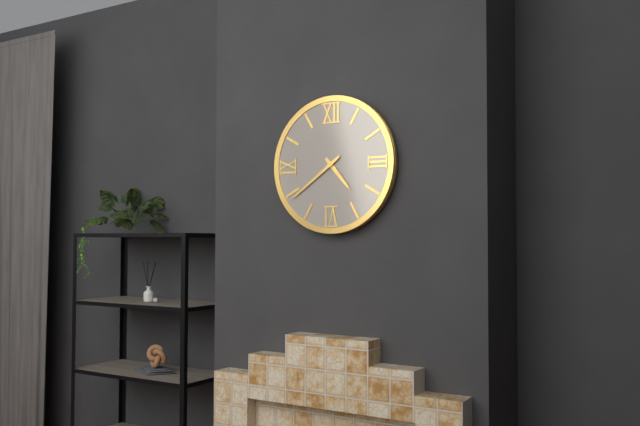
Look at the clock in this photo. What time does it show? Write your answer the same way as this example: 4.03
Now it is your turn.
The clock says 4.39
